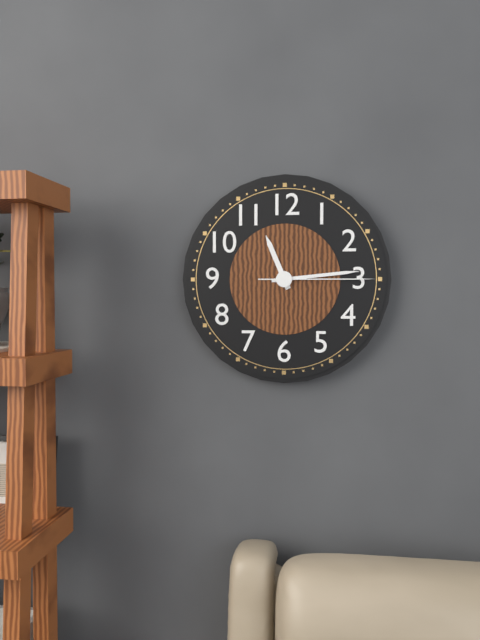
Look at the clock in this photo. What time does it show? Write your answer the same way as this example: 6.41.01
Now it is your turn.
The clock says 11.14.15
